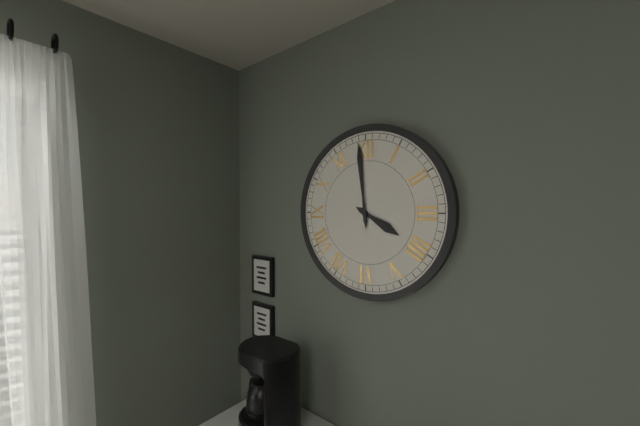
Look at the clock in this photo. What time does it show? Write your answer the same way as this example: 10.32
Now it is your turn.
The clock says 3.59
